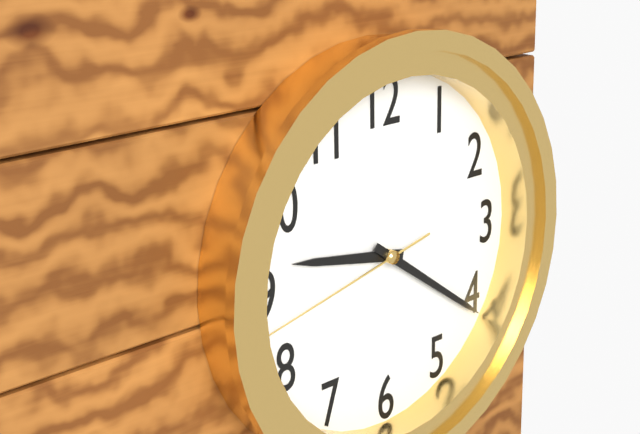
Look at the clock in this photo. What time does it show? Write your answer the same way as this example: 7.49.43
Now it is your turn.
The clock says 9.21.43
